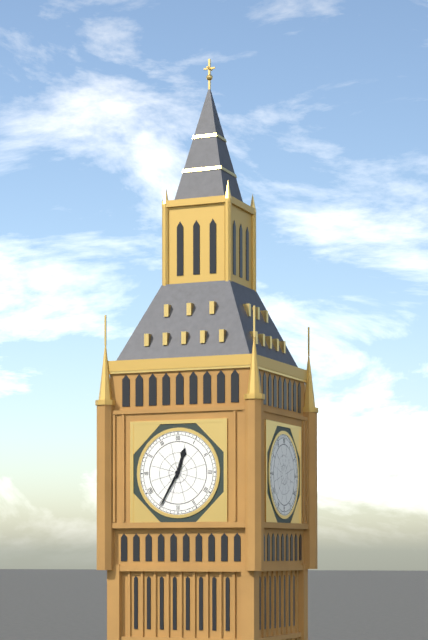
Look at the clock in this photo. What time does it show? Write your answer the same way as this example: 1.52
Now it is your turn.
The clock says 12.35
